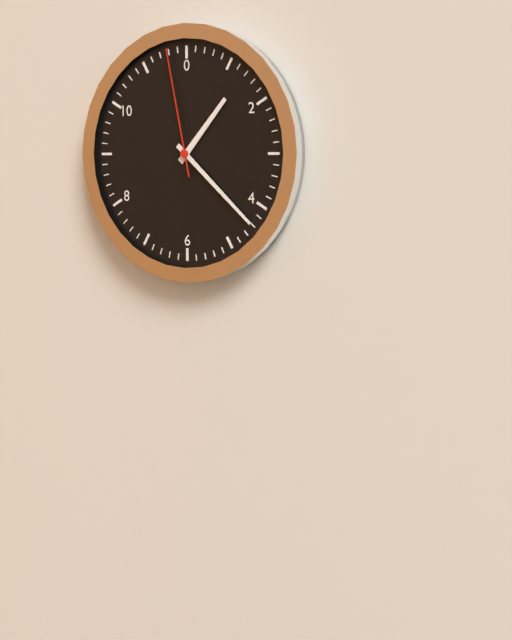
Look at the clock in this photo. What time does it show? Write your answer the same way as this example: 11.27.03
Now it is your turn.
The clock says 1.22.58
